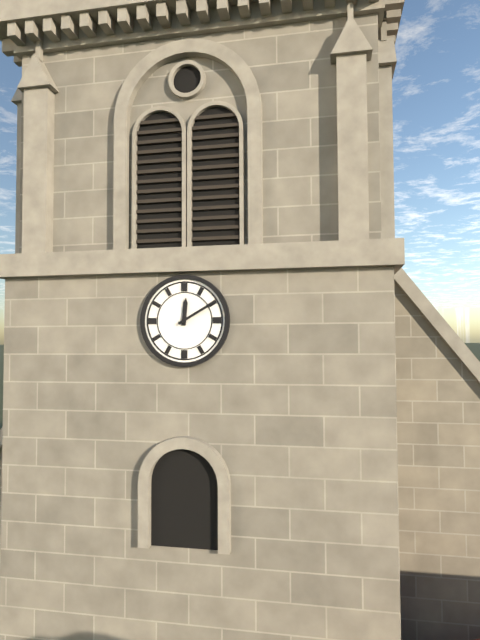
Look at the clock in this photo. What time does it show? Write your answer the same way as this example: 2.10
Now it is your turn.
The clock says 12.10
